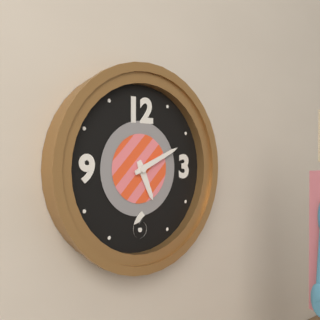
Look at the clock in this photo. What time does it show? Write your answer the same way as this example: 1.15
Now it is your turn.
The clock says 5.11
